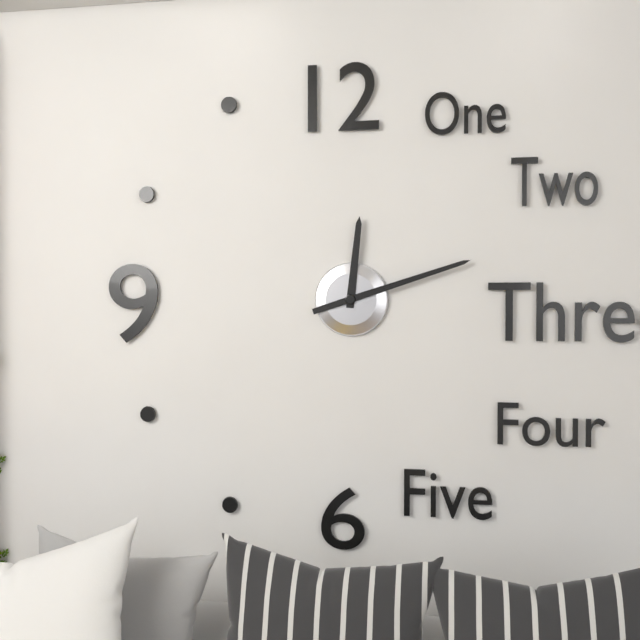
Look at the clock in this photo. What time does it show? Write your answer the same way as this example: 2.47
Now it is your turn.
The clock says 12.12
